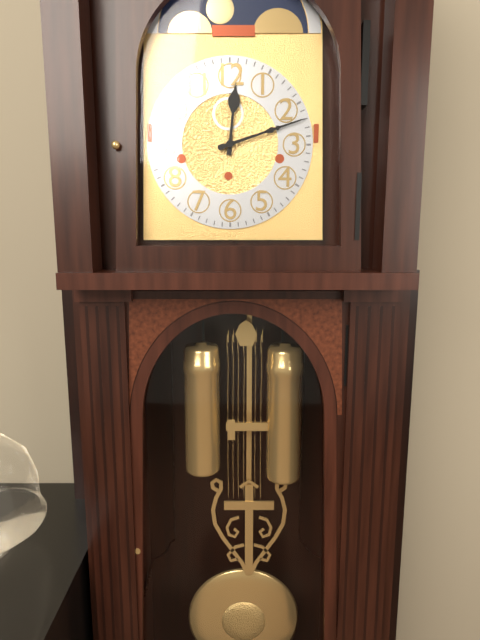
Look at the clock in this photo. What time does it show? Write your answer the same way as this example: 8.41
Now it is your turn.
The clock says 12.12
